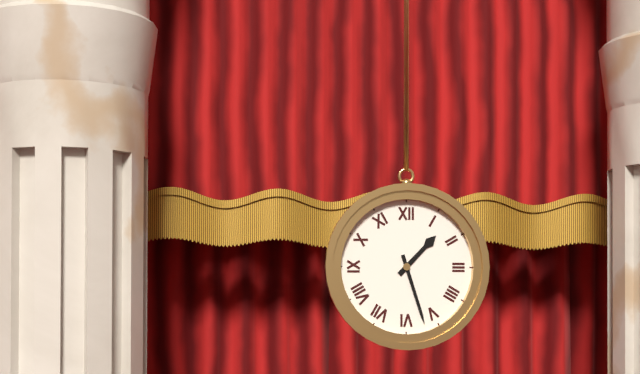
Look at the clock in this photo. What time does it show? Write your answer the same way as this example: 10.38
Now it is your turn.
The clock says 1.27
